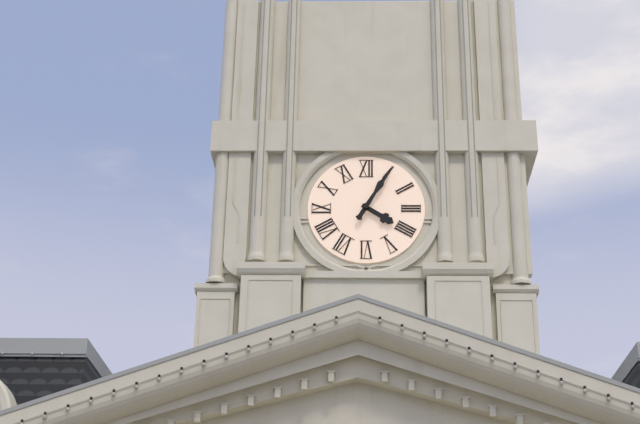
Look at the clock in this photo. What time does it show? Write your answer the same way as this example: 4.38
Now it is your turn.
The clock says 4.05
